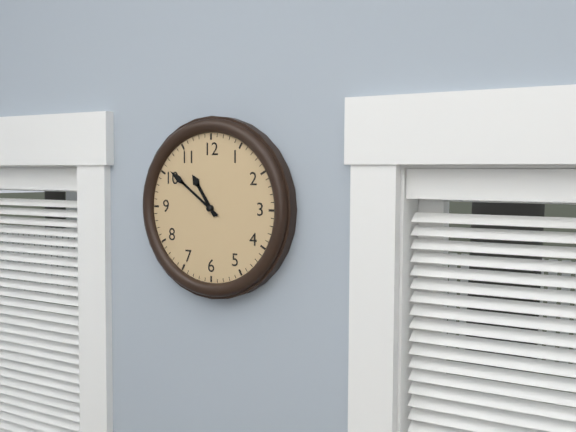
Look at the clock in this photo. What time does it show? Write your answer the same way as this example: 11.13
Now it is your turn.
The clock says 10.51
